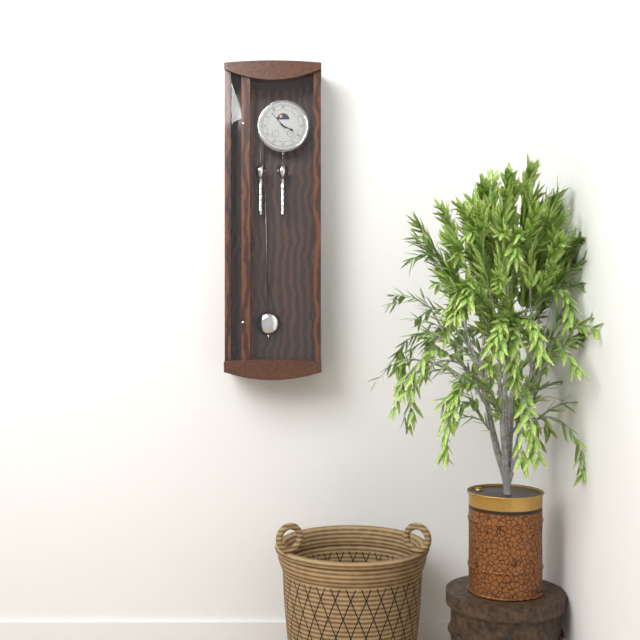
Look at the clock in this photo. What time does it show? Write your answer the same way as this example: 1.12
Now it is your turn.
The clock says 3.53
